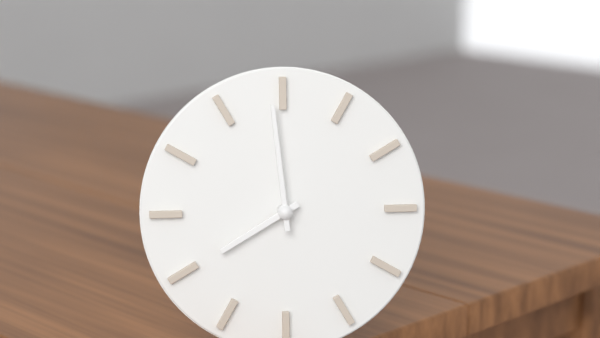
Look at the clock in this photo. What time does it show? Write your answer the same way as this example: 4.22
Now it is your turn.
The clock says 7.59
